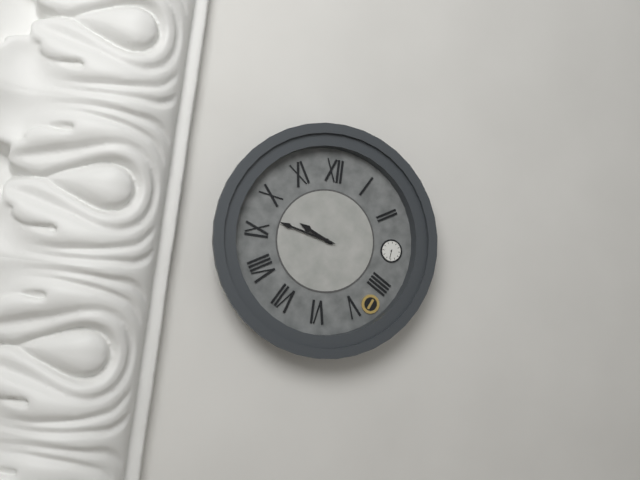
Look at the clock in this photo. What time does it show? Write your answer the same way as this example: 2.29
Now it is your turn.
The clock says 9.47
